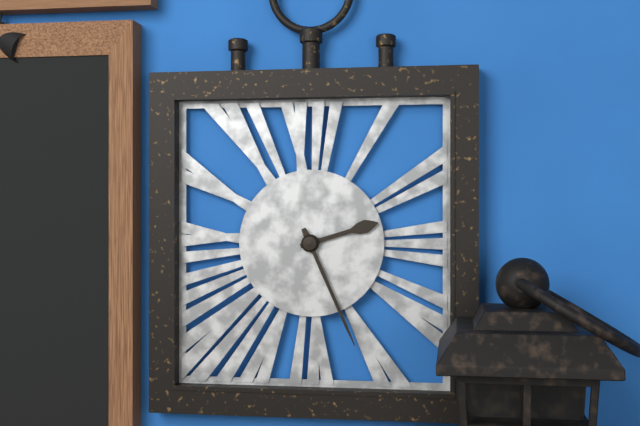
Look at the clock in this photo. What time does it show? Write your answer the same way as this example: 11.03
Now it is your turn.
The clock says 2.26
